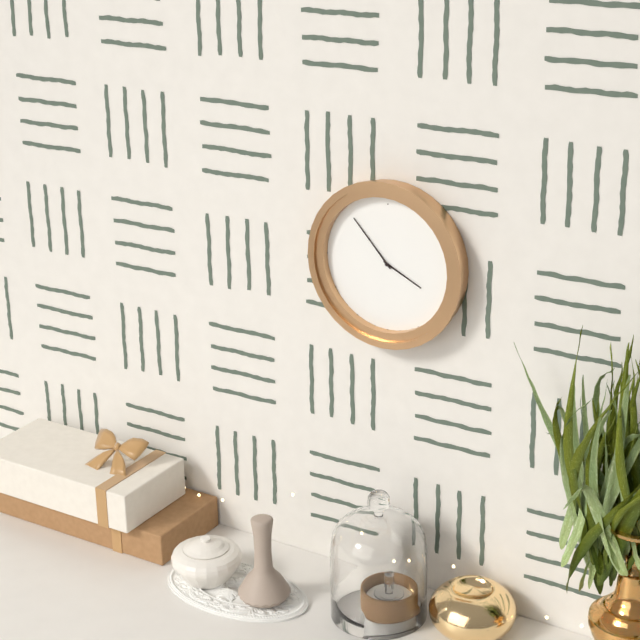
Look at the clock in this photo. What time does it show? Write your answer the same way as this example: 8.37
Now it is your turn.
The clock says 3.53
